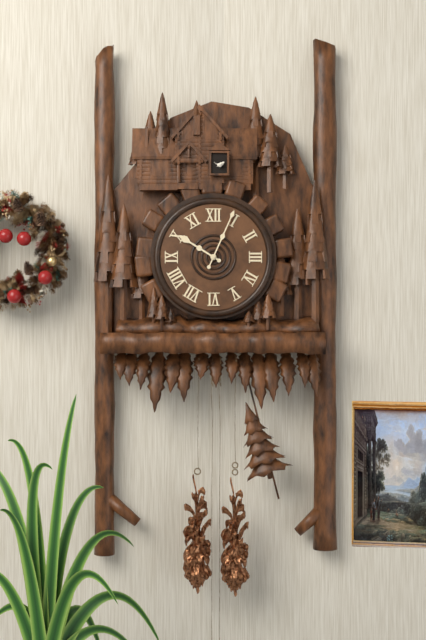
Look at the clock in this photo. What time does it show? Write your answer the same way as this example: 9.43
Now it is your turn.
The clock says 10.04
